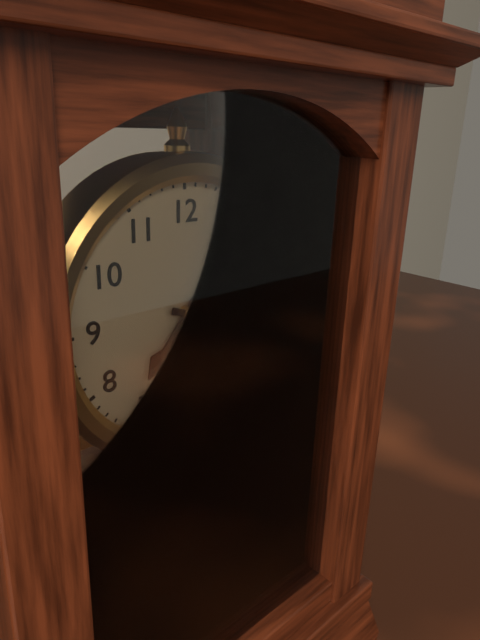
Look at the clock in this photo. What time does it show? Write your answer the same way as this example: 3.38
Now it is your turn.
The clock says 7.18
